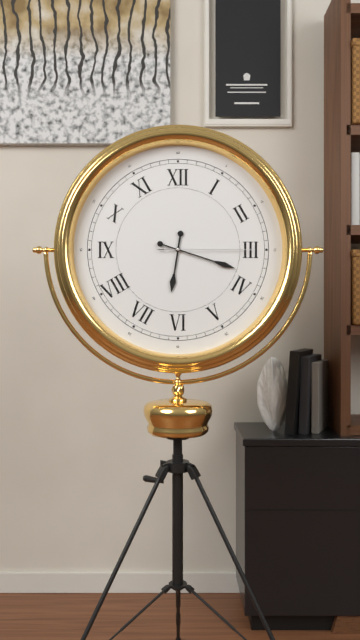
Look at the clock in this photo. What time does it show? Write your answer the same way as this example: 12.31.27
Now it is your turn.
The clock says 6.18.15
